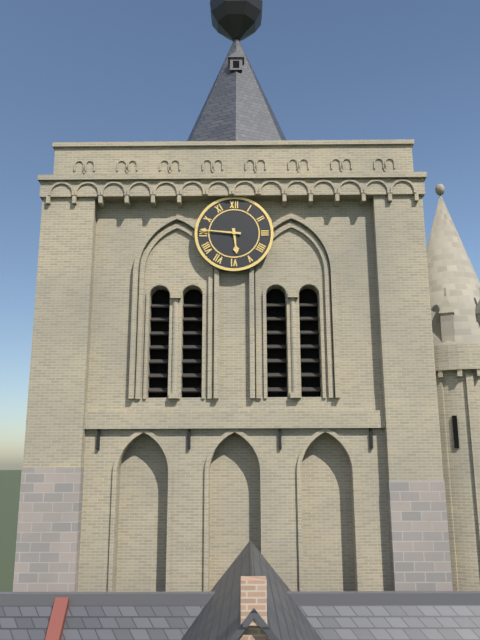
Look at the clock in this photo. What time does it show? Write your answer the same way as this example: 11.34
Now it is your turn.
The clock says 5.46
